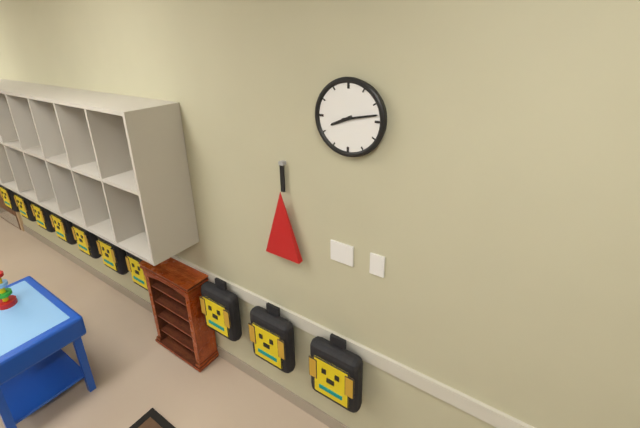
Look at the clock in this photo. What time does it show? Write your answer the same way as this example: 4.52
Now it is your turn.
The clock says 8.13
